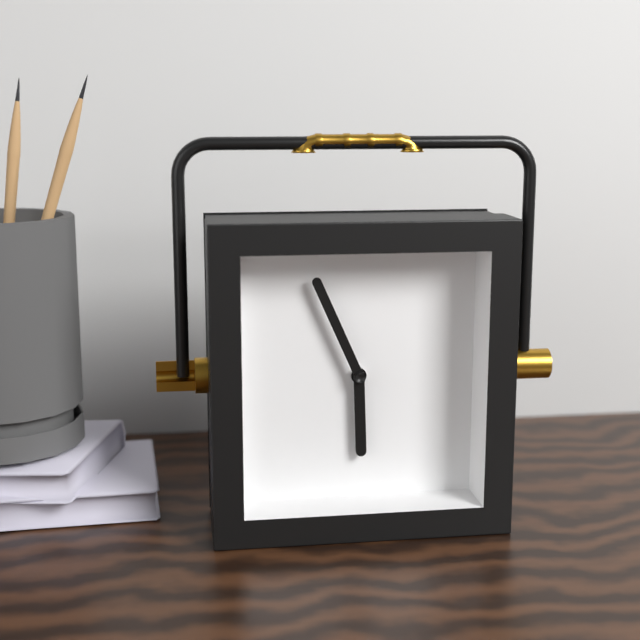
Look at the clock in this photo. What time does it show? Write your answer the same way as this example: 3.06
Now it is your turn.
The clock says 5.56
